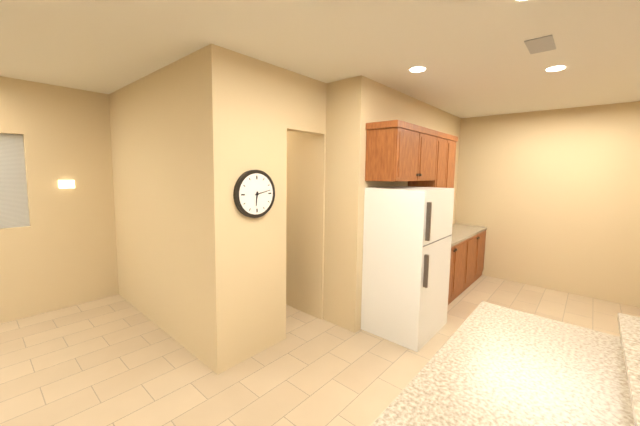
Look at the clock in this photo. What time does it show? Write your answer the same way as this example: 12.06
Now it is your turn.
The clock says 6.13
